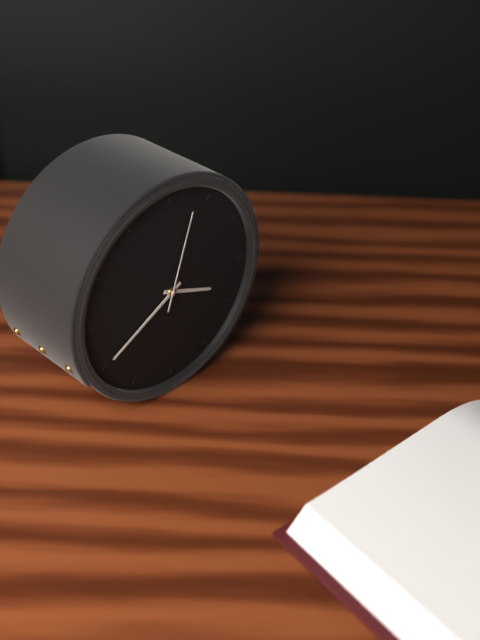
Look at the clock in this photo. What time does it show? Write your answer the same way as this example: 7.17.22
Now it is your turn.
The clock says 3.40.03
